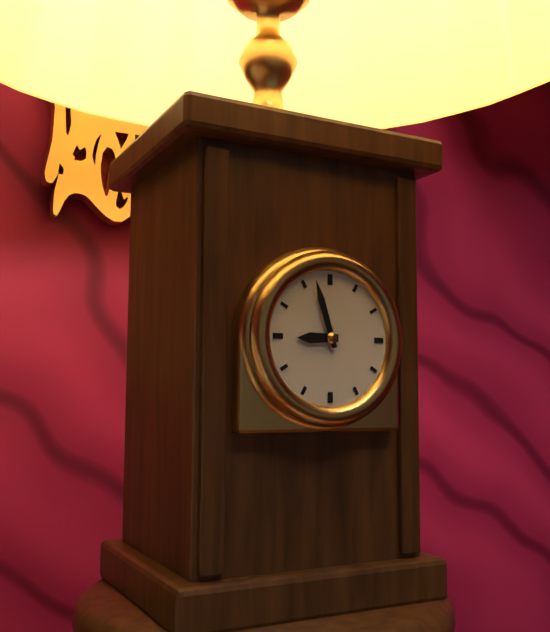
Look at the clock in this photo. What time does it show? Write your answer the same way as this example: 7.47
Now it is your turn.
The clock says 8.57
